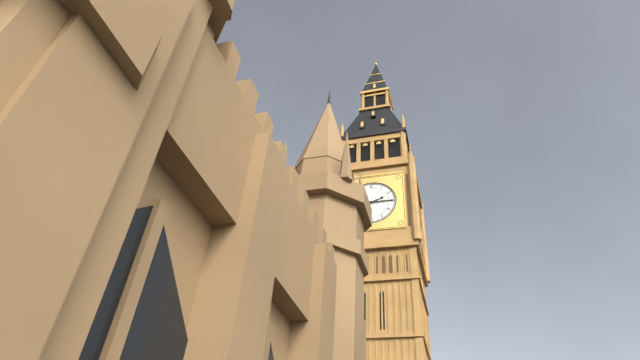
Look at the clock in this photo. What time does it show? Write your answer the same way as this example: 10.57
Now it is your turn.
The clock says 2.15
